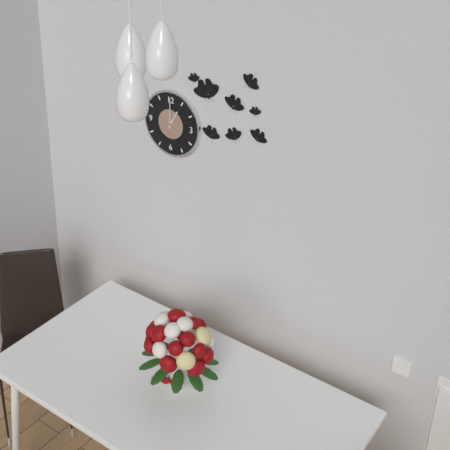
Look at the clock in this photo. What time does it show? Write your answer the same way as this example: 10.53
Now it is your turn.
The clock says 1.00
